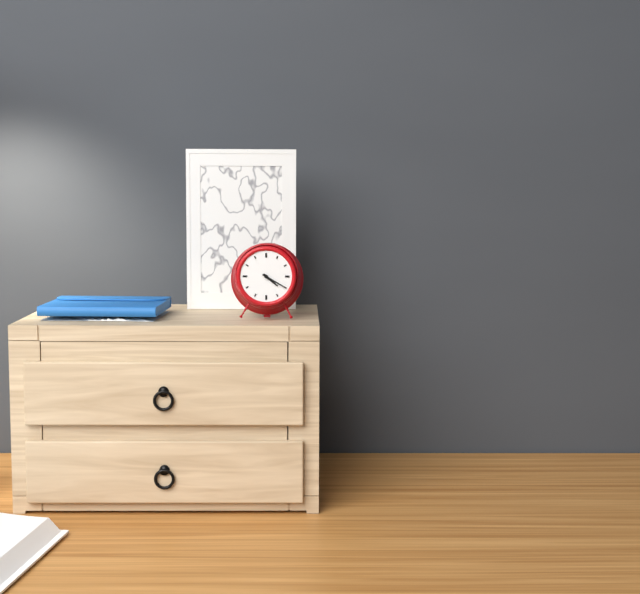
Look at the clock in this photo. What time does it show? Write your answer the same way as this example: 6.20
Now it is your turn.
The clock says 4.20
